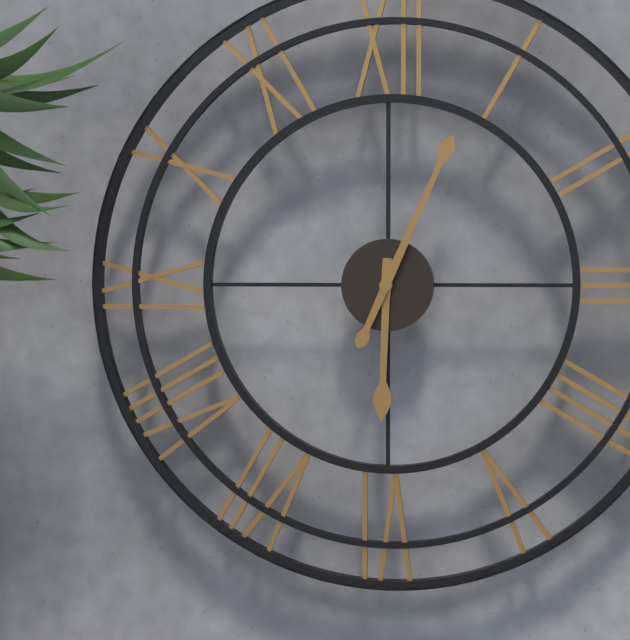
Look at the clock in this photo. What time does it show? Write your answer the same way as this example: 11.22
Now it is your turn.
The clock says 6.04
